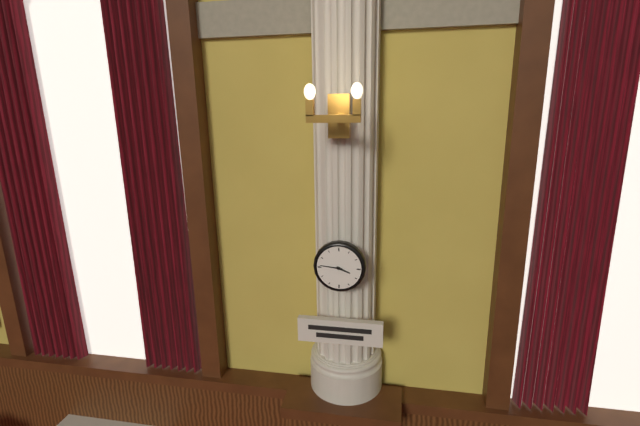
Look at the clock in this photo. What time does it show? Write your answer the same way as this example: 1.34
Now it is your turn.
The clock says 3.46
